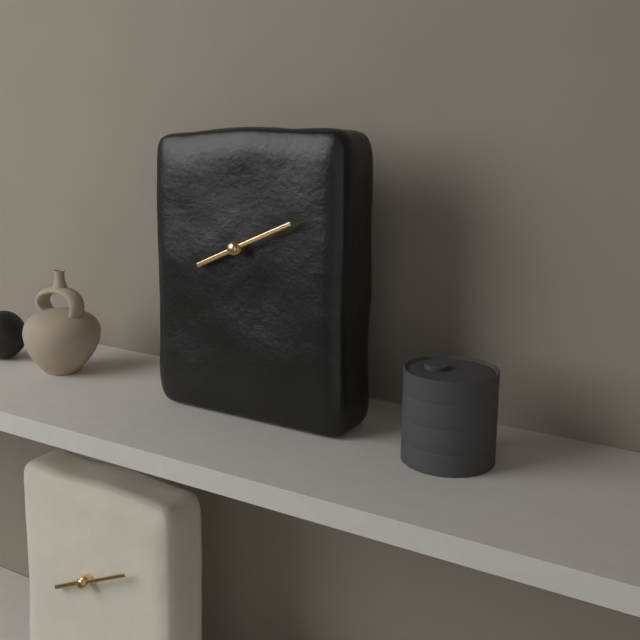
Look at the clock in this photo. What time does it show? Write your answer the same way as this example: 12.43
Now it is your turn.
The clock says 8.11
